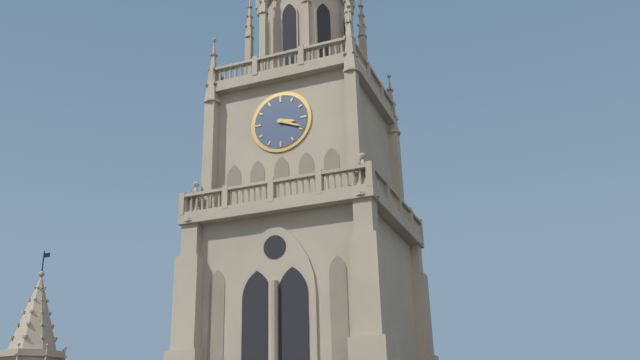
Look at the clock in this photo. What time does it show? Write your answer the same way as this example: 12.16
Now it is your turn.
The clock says 3.19
